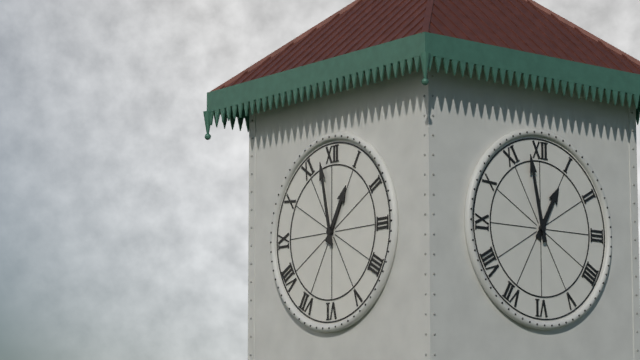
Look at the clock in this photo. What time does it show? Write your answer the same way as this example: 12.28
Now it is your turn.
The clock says 12.58
